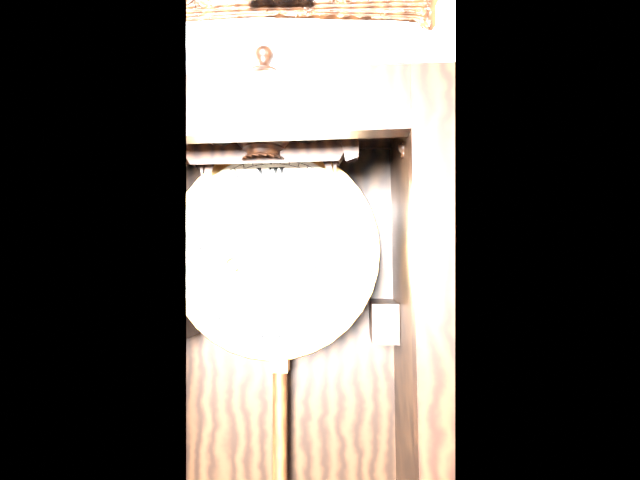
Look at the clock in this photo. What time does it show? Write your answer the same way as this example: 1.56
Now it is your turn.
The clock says 3.13
